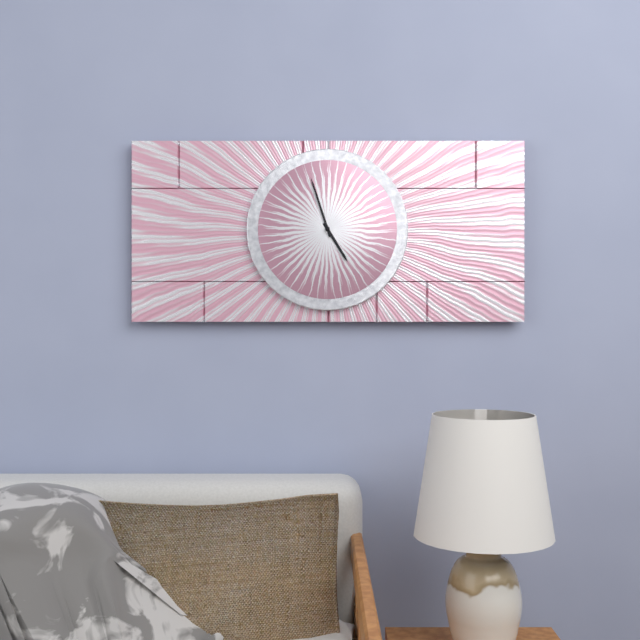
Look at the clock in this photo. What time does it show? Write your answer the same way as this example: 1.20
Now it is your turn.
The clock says 4.57
